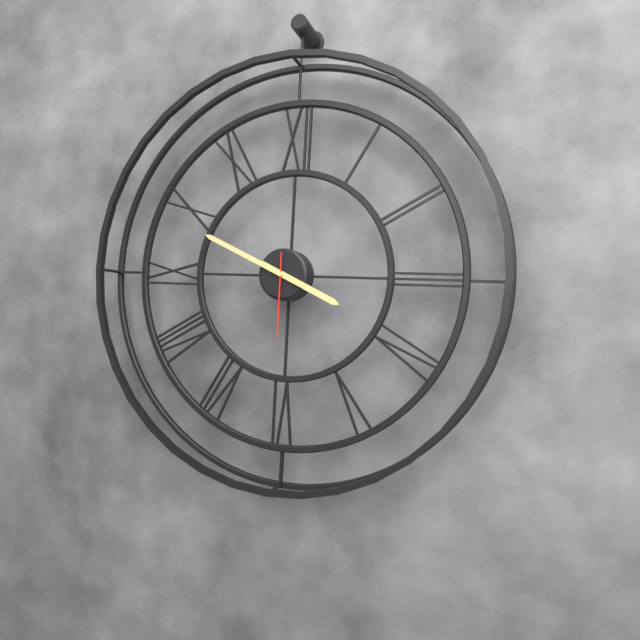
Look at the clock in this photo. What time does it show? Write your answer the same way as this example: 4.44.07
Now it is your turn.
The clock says 3.49.30
